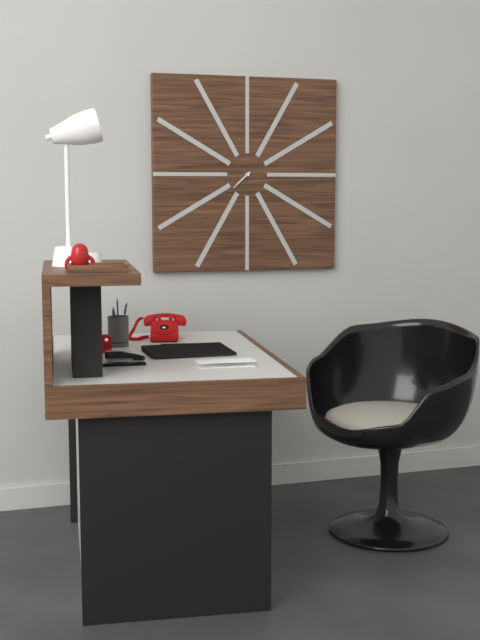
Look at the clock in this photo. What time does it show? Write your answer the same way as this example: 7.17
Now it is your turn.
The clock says 7.38
